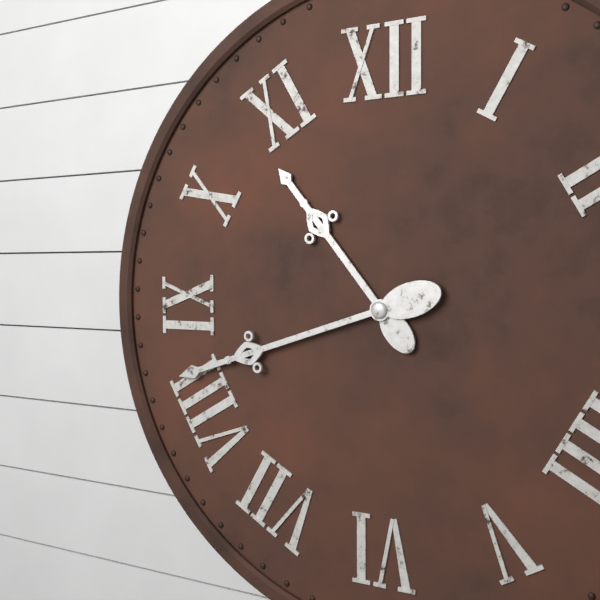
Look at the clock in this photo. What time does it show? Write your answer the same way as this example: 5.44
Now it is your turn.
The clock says 10.42
